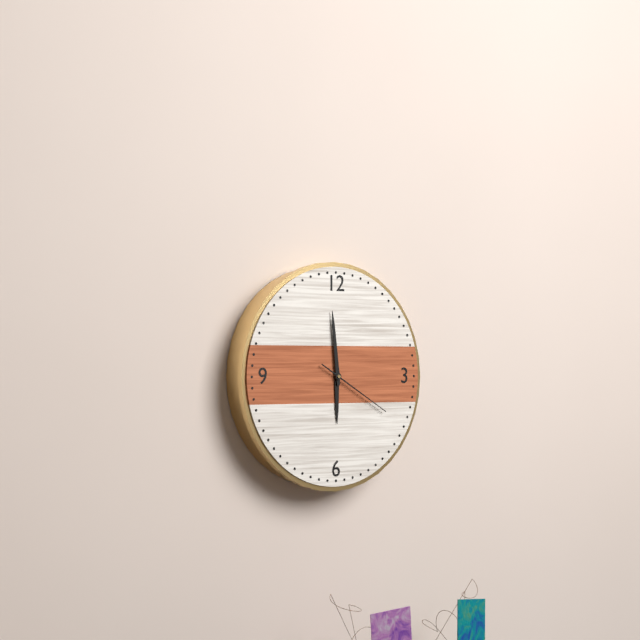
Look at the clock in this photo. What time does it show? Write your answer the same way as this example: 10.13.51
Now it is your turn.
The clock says 5.59.20
